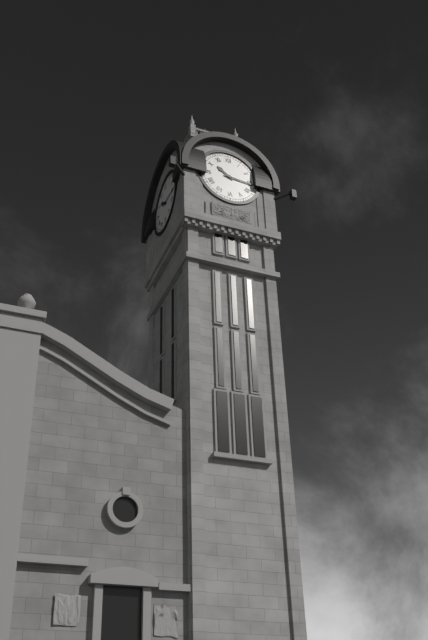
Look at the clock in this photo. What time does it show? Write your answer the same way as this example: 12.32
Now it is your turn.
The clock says 10.16
